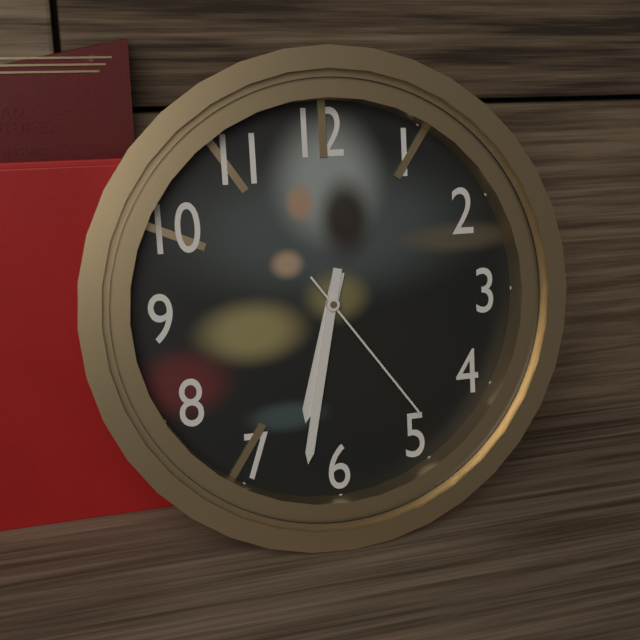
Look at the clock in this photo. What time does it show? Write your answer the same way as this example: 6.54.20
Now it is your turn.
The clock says 6.32.24
